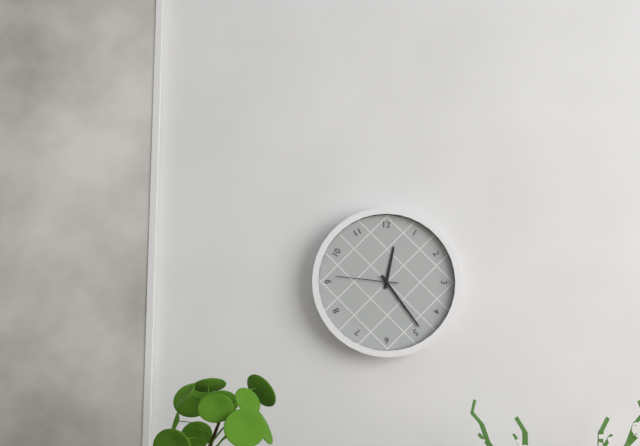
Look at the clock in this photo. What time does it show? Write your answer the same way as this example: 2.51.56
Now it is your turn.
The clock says 12.24.46
